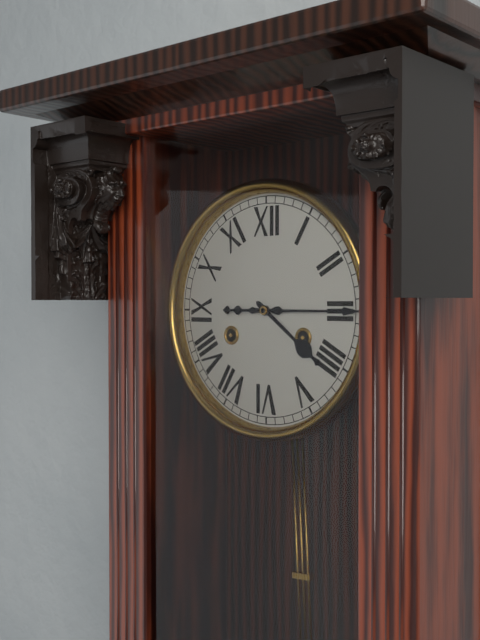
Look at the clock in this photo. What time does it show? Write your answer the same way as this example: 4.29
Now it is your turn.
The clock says 4.15
